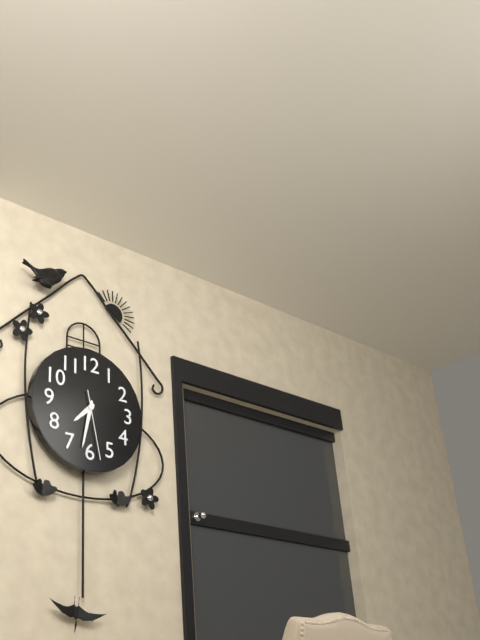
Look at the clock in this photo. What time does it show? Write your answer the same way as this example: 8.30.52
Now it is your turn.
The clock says 7.32.28
